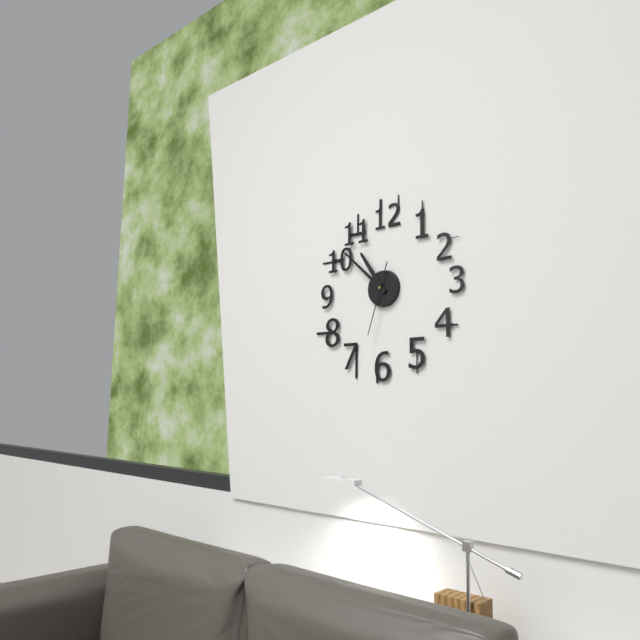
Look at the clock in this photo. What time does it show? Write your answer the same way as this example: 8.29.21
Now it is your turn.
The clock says 10.52.33
